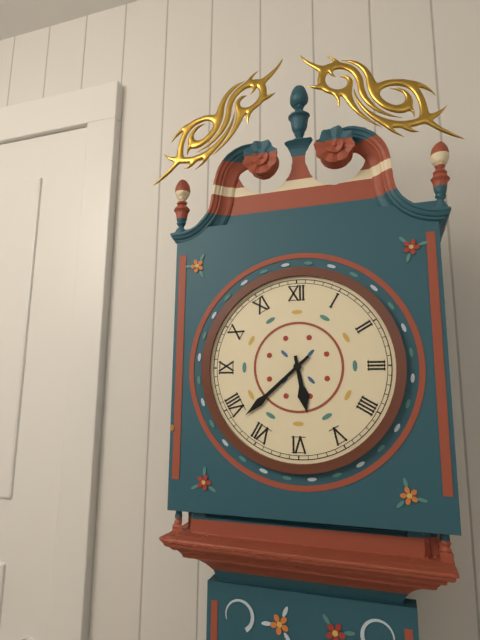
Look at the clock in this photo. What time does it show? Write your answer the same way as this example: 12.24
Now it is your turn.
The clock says 5.38
